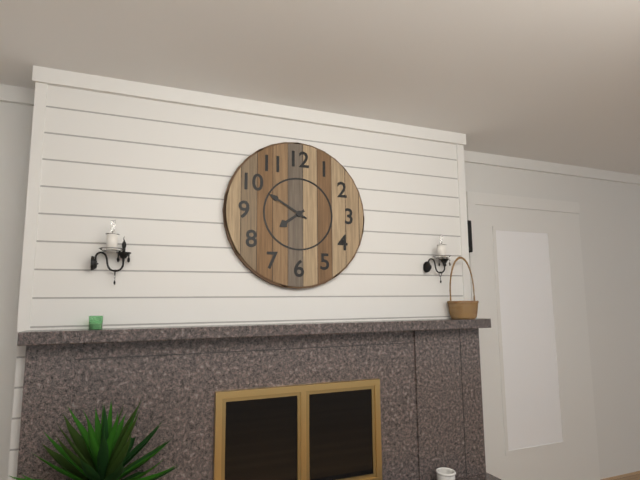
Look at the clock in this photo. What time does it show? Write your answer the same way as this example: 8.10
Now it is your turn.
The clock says 7.50
